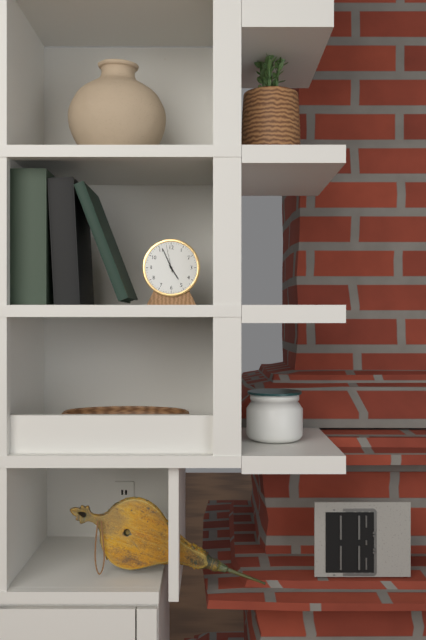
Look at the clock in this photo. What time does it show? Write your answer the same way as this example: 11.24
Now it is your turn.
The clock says 4.56
